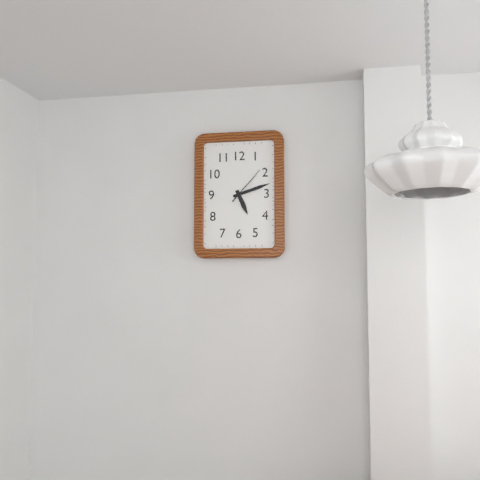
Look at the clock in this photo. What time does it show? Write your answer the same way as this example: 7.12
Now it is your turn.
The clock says 5.12
